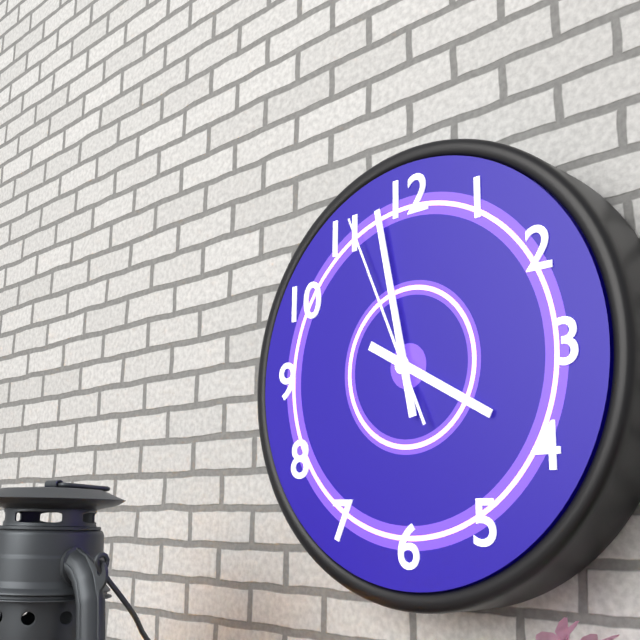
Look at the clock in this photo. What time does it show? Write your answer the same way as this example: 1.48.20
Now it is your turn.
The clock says 3.58.56
